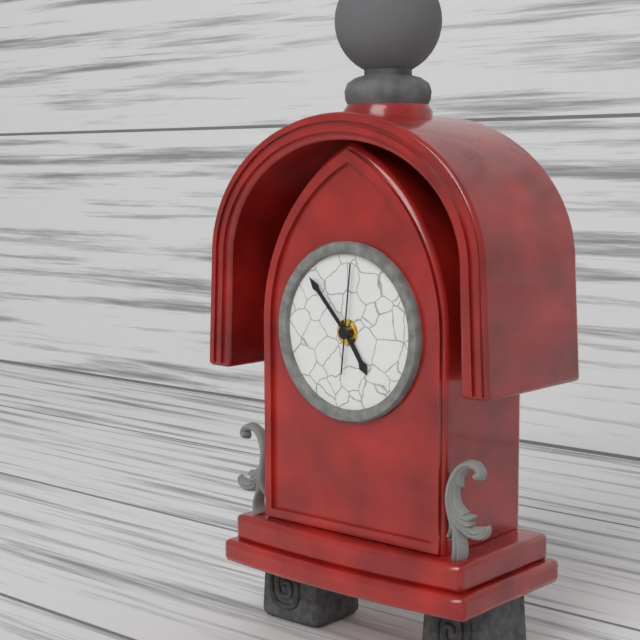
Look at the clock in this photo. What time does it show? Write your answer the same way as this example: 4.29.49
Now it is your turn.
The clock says 4.53.01
